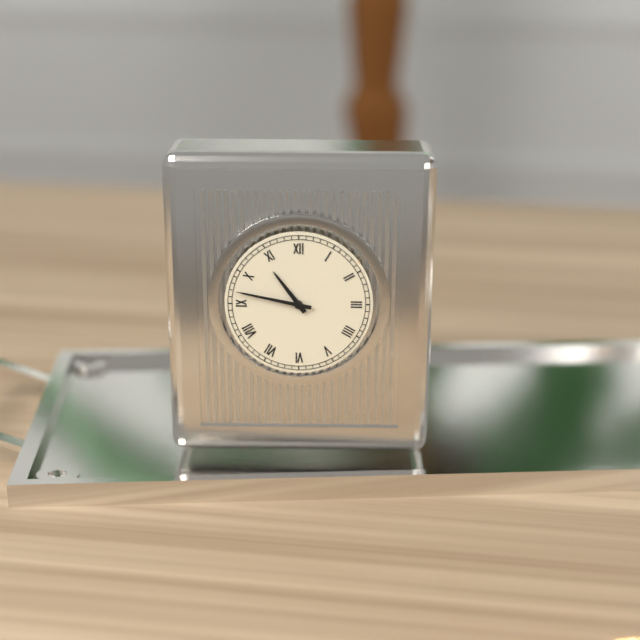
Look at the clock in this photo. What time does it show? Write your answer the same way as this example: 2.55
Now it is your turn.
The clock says 10.47
